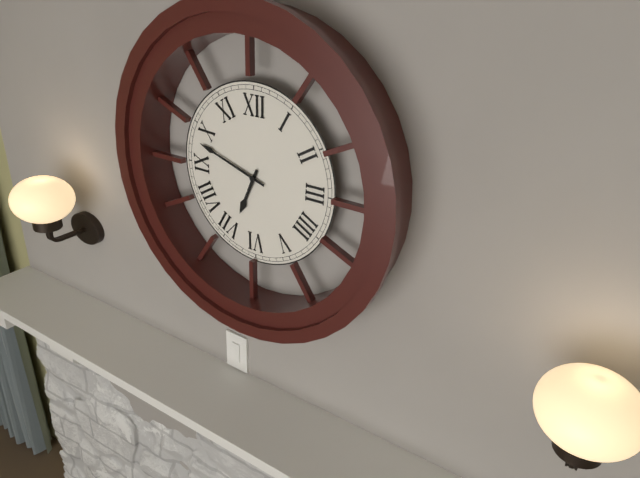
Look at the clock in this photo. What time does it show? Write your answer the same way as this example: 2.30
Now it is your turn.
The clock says 6.48
